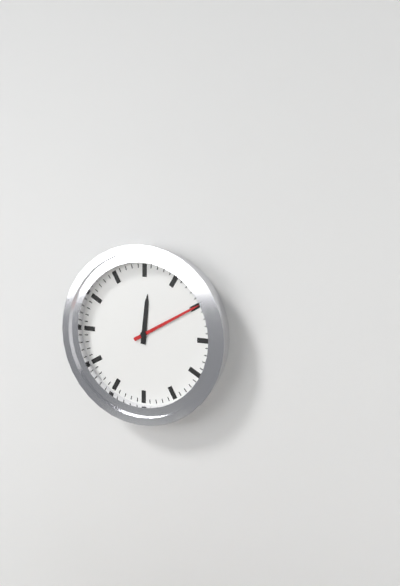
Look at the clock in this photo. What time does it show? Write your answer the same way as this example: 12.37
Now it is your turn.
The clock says 12.10
